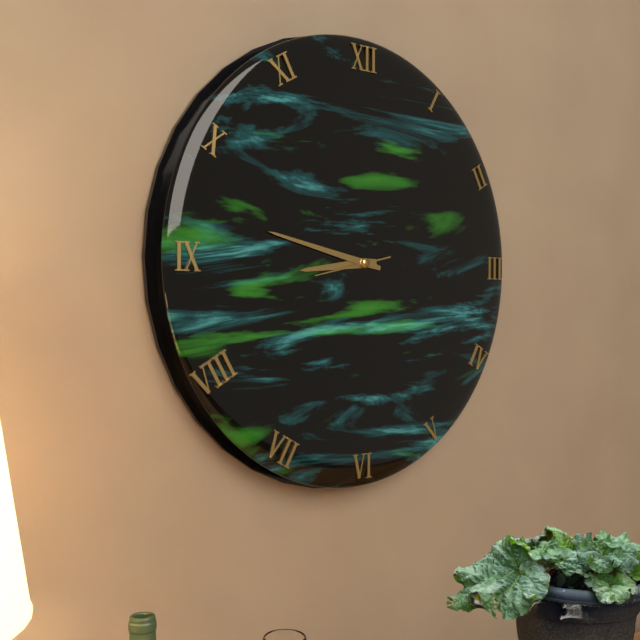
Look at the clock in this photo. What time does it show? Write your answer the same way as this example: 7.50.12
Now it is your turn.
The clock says 8.47.43
